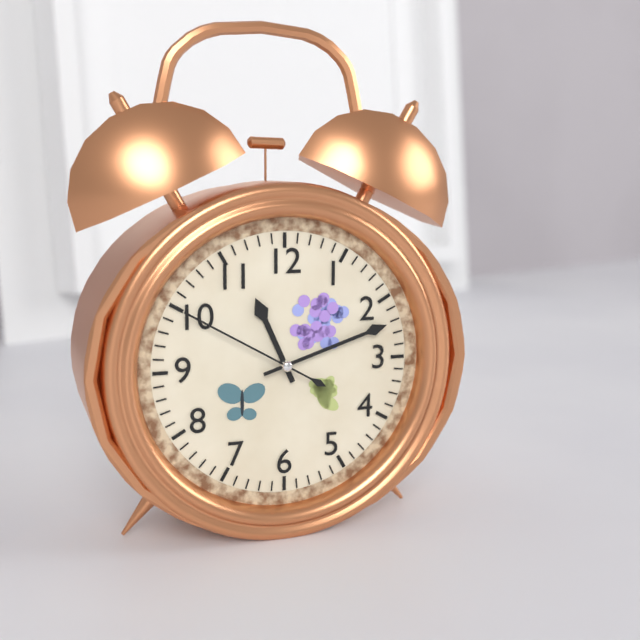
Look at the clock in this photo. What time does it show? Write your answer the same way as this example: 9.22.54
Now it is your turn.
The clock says 11.12.50
